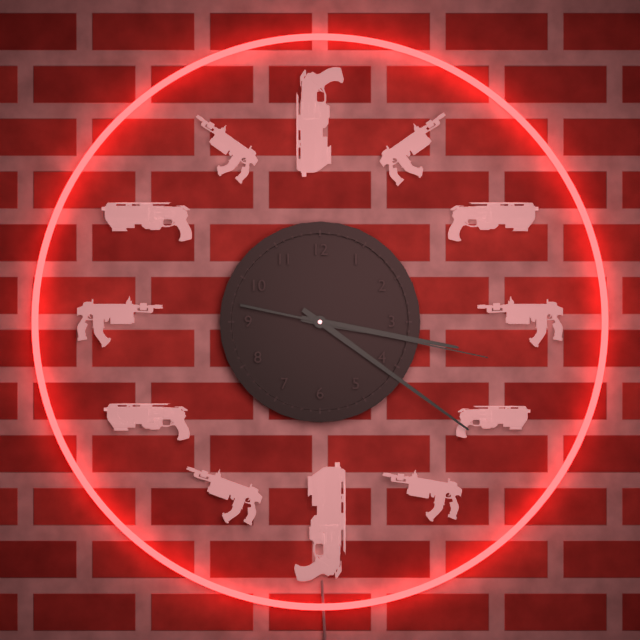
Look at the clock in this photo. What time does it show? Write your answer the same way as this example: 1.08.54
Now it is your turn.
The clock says 3.21.17
